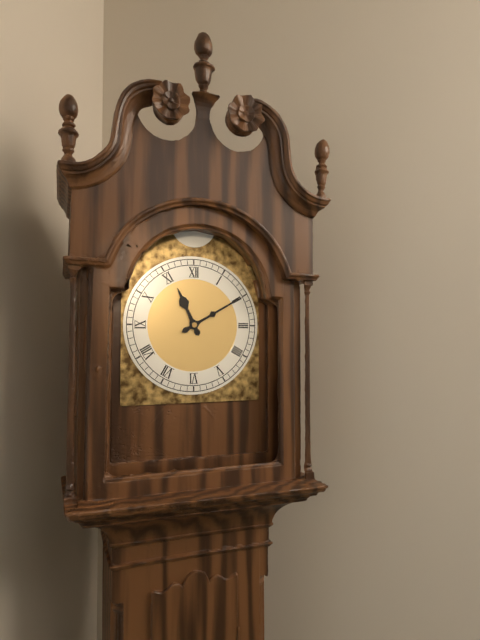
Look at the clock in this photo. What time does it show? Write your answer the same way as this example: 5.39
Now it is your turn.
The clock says 11.10
